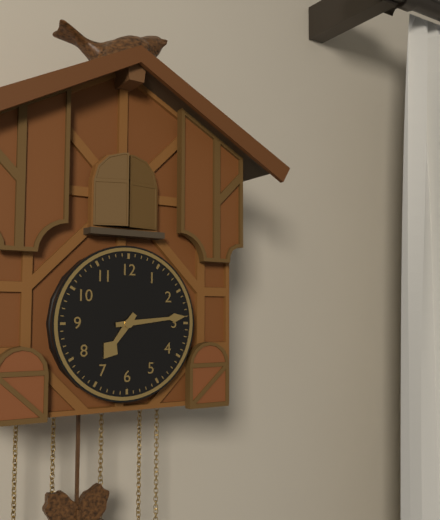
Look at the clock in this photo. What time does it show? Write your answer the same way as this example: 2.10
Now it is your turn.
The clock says 7.14
